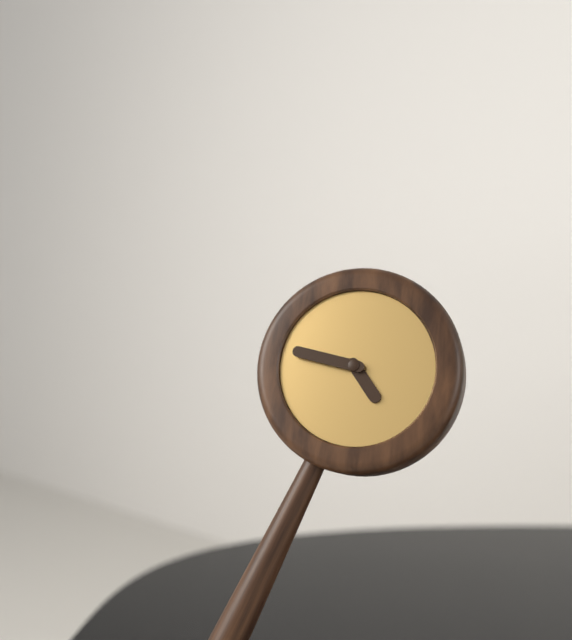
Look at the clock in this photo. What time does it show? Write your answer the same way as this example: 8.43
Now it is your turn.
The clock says 4.47
